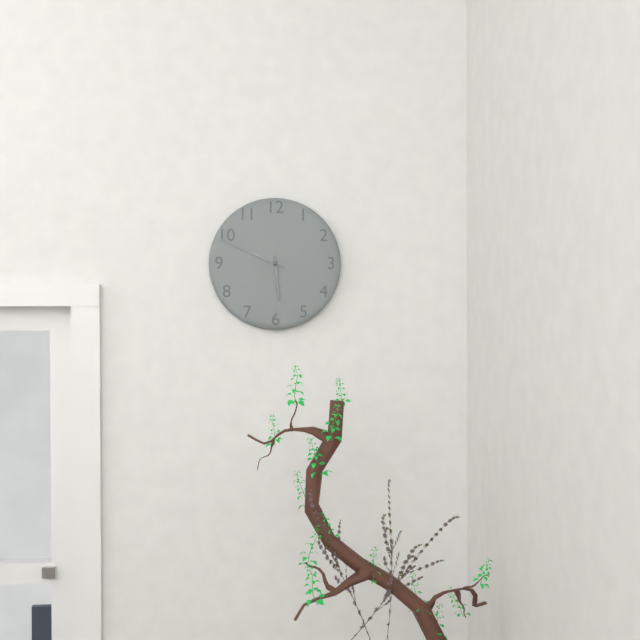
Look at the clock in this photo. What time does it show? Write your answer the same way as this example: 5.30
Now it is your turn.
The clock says 5.49
